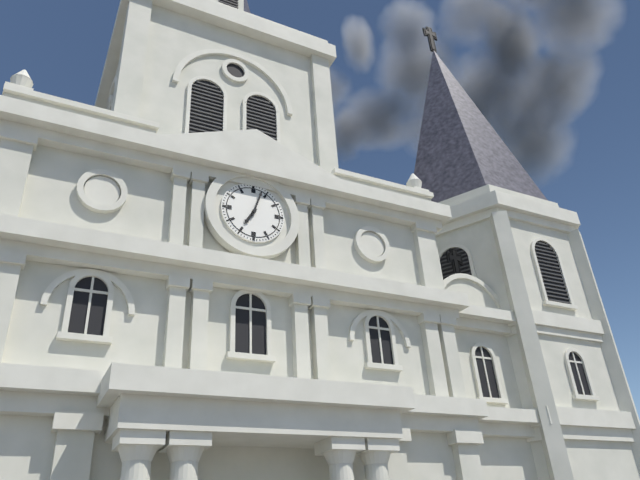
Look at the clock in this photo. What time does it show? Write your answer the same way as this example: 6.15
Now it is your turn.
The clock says 7.03
